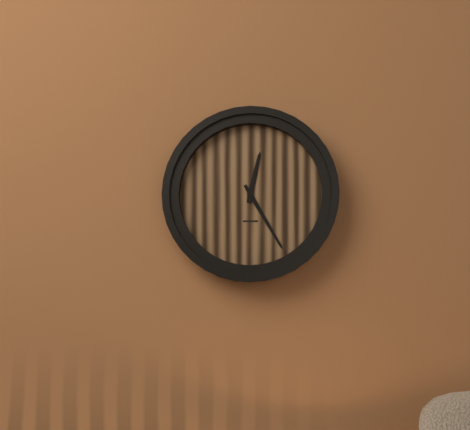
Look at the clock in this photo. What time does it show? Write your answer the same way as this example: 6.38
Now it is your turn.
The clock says 12.25
